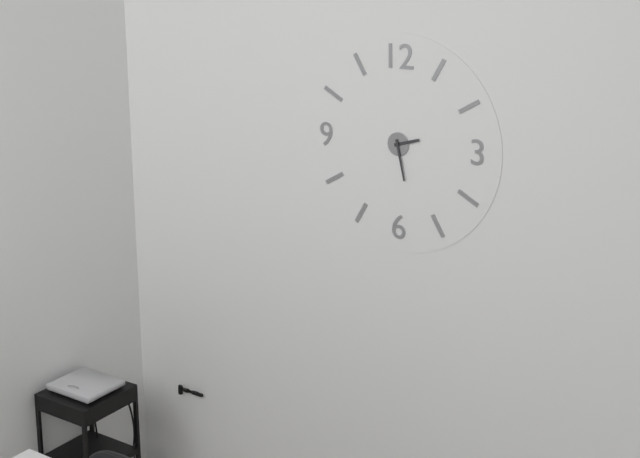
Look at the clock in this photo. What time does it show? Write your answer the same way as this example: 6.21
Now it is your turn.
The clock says 2.28
